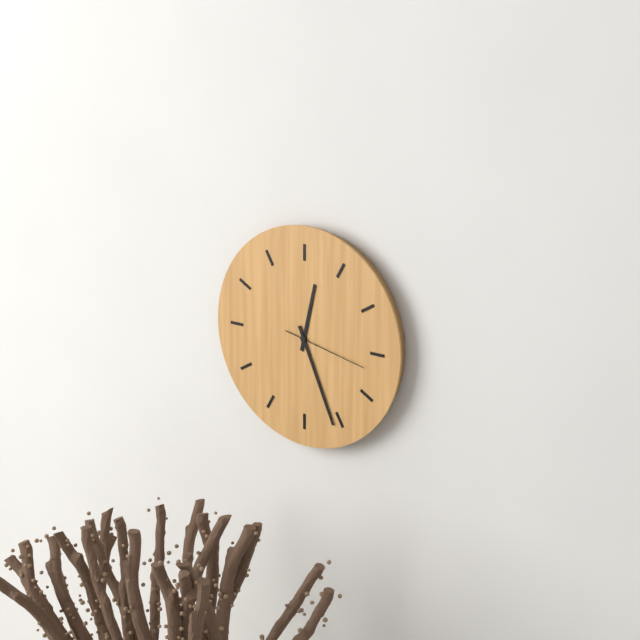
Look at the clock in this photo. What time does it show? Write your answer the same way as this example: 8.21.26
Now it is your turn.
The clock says 12.26.17
